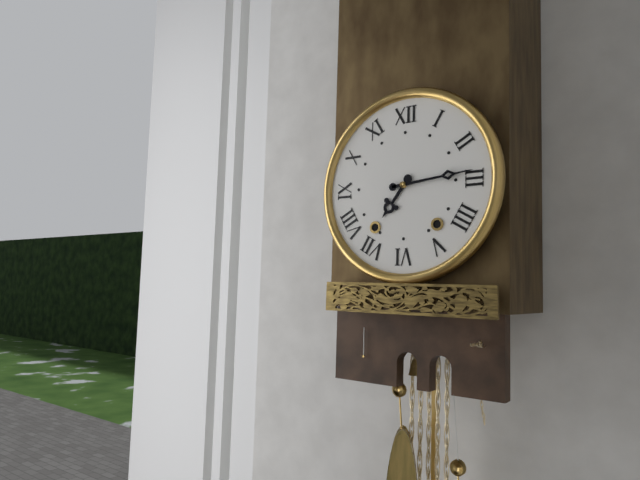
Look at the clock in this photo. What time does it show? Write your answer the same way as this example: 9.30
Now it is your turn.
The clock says 7.14
